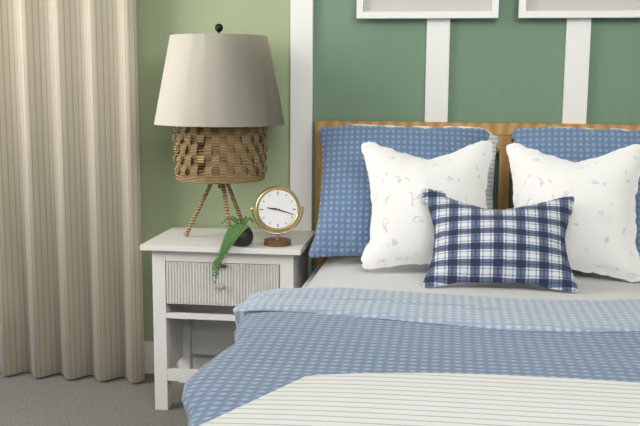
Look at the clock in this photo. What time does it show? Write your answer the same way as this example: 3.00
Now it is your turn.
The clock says 9.18
